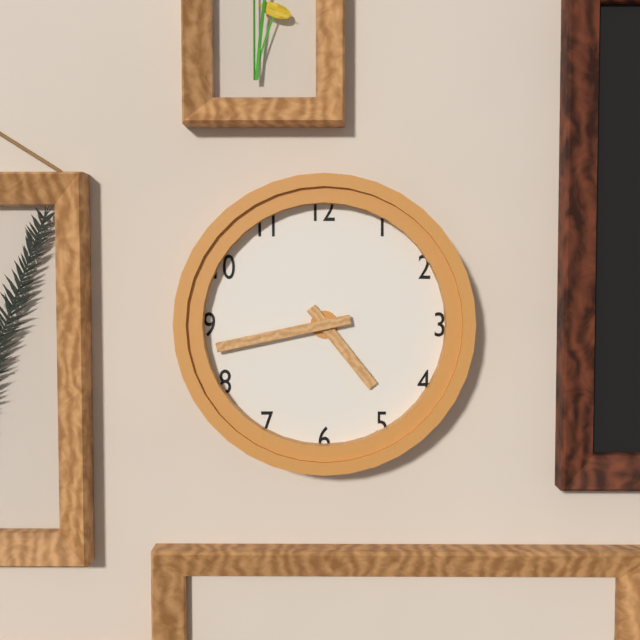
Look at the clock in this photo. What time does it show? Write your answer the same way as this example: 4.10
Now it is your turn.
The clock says 4.43
